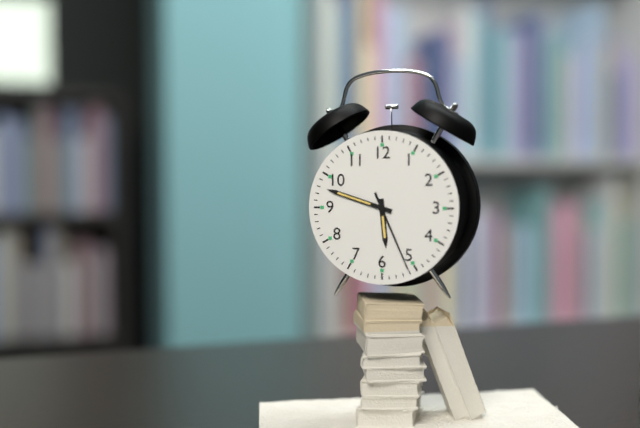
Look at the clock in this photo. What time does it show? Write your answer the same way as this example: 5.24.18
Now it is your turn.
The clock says 5.48.26
